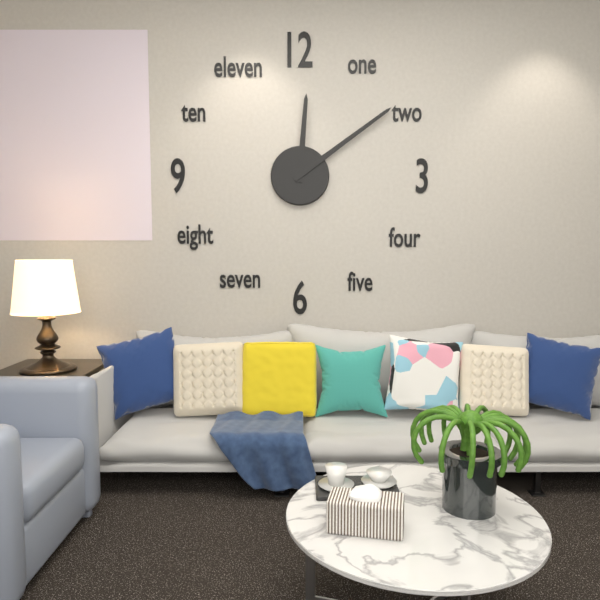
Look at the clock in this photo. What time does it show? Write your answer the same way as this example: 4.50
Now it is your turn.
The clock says 12.09
